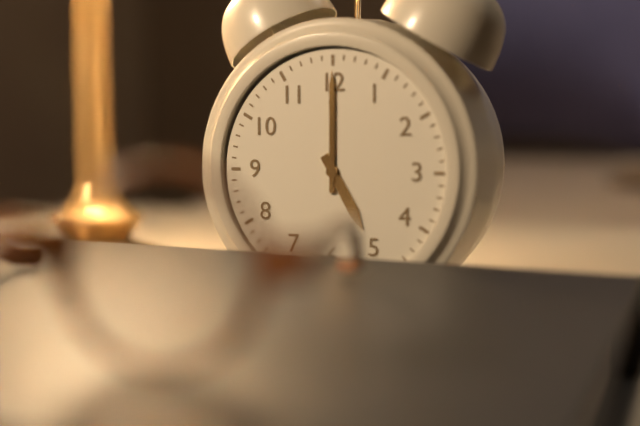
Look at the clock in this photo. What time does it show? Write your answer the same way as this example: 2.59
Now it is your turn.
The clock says 5.00
